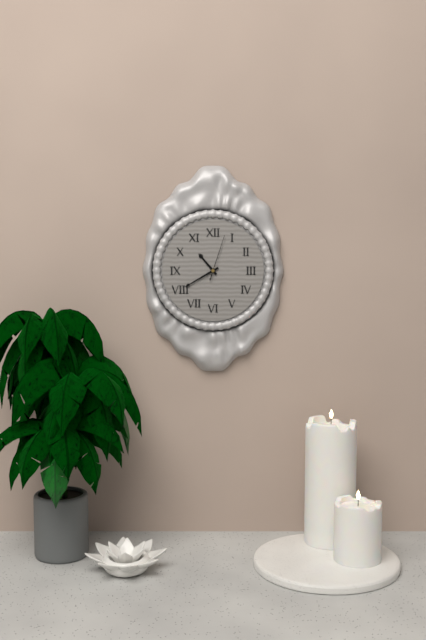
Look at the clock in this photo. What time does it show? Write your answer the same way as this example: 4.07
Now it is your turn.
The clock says 10.40
